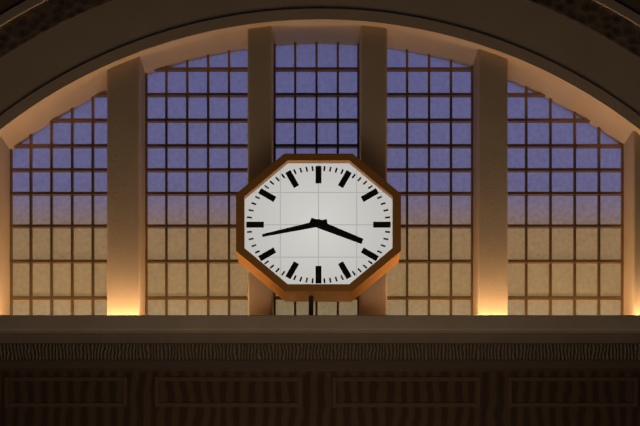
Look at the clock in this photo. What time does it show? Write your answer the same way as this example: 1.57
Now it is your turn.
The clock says 3.43
